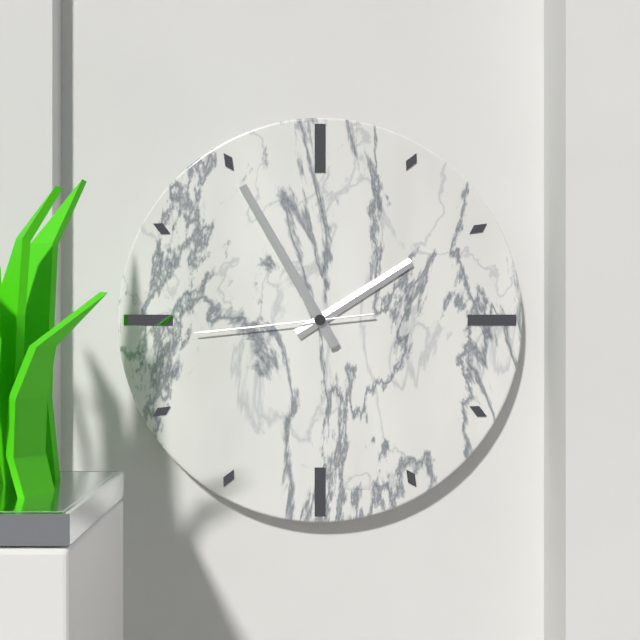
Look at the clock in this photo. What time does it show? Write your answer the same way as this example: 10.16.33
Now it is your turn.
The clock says 1.55.44
